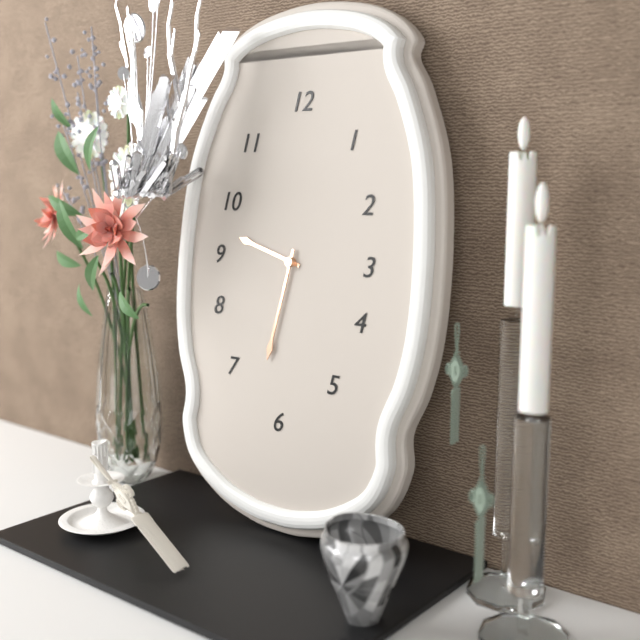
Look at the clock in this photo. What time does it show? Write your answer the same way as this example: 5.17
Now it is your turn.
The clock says 9.32
